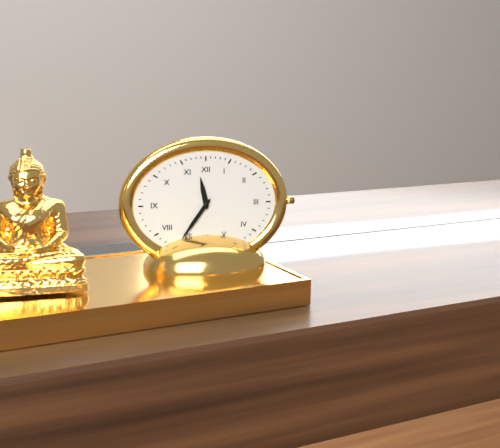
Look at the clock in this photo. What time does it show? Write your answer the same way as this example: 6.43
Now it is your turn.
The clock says 11.36
